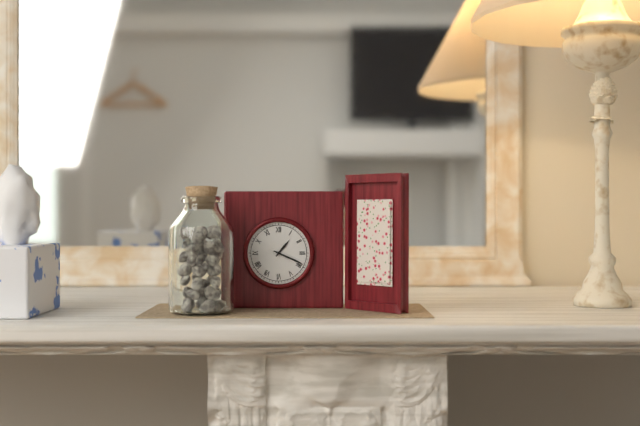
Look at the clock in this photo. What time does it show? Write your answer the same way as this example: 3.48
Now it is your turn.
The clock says 1.19
